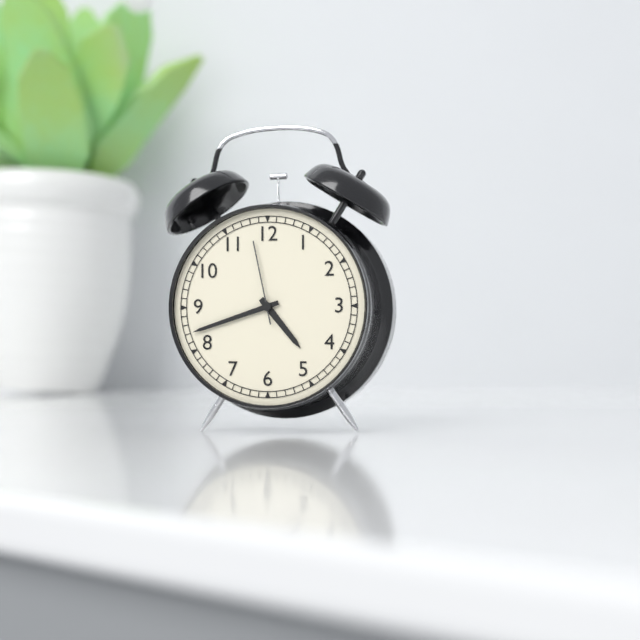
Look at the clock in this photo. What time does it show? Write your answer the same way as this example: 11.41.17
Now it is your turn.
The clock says 4.42.58
